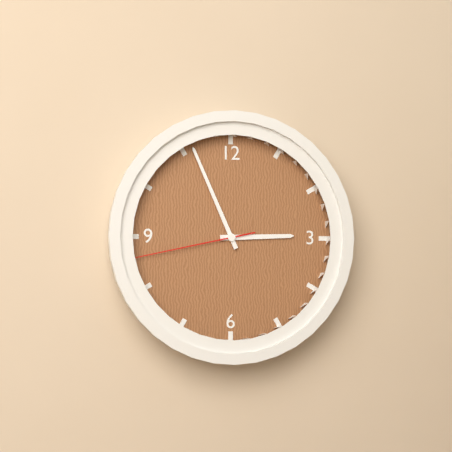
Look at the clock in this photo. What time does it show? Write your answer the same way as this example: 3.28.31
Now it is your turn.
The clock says 2.56.43
